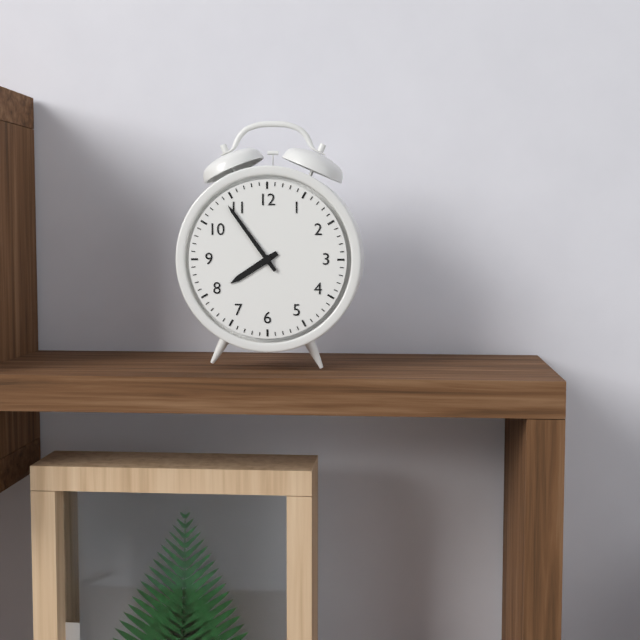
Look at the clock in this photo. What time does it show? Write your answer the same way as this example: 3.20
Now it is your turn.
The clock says 7.54
